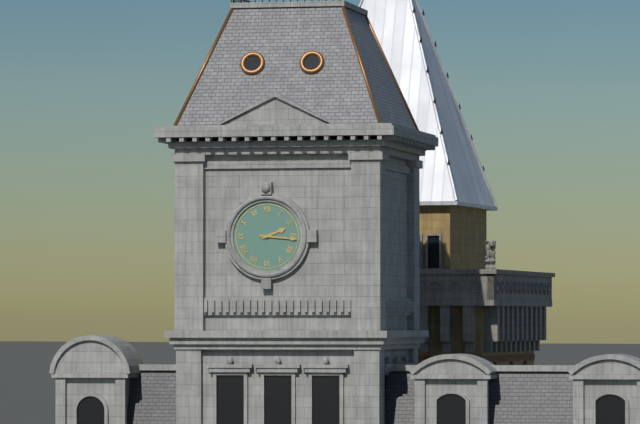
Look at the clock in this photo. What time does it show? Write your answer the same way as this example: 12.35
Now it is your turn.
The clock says 2.16
